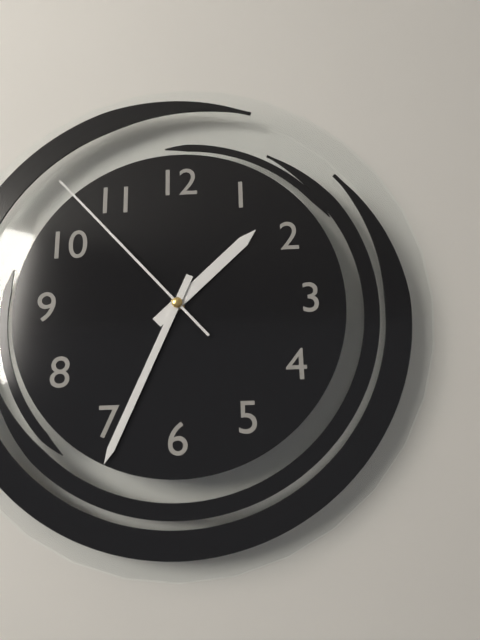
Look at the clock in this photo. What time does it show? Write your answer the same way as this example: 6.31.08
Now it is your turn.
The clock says 1.34.53
